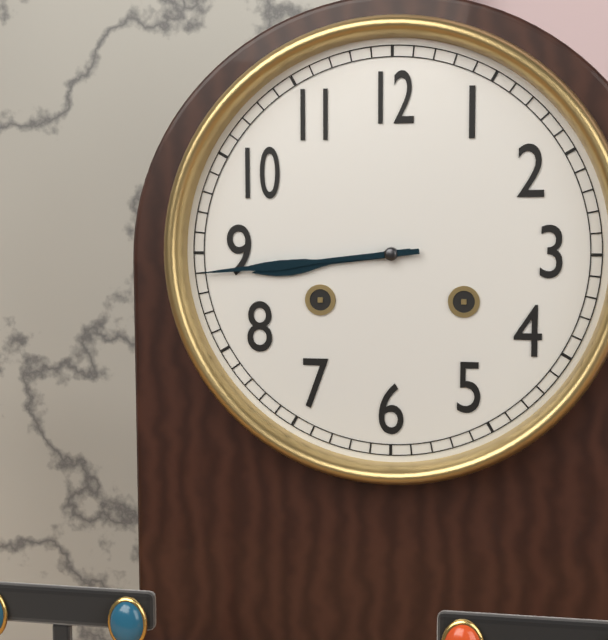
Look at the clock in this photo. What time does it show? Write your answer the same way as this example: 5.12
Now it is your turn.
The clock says 8.44
